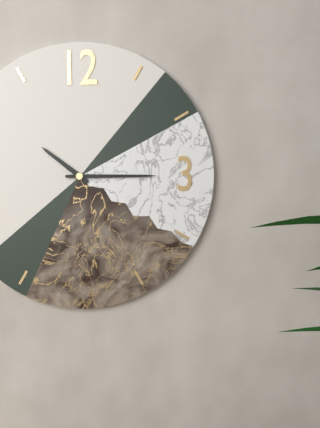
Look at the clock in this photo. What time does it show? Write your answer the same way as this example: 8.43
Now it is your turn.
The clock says 10.15
